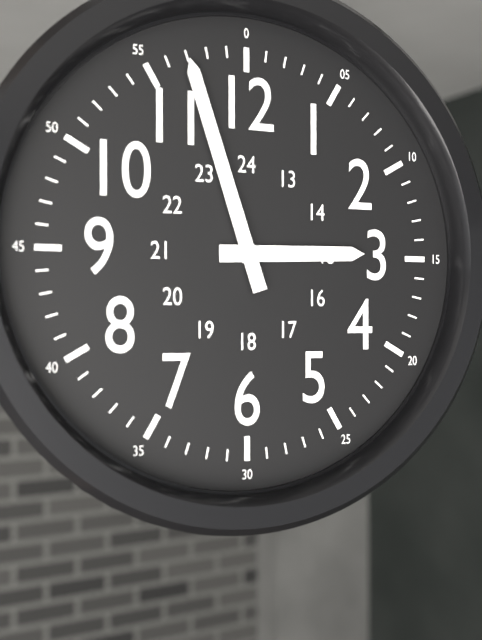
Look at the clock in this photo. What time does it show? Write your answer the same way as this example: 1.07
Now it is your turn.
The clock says 2.57
